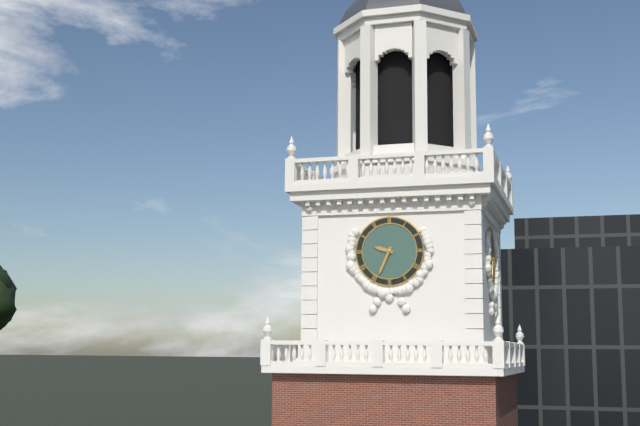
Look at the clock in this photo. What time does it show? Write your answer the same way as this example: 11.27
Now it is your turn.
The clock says 9.34
